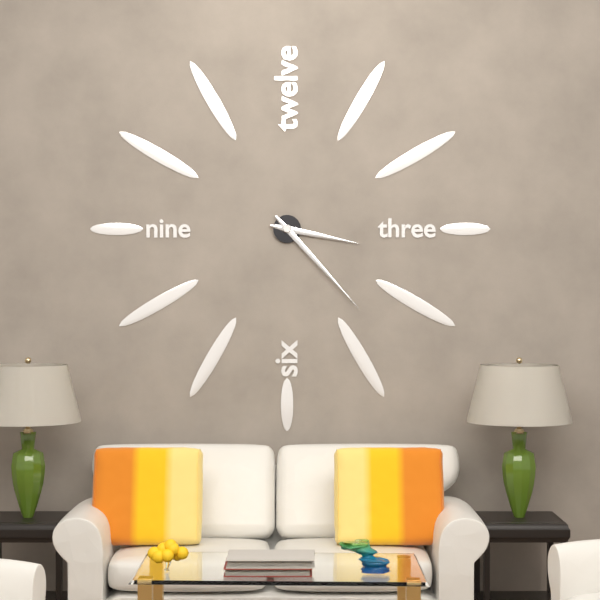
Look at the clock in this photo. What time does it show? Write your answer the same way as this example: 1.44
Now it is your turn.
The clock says 3.23
